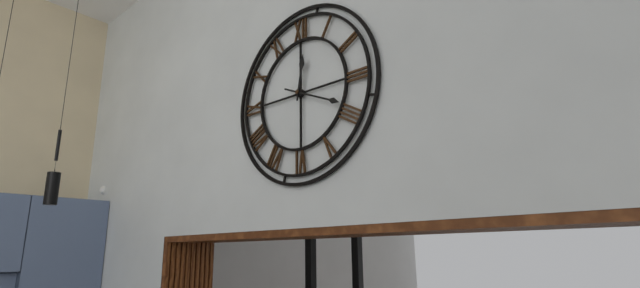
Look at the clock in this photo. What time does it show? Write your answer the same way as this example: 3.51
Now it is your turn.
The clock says 12.19
